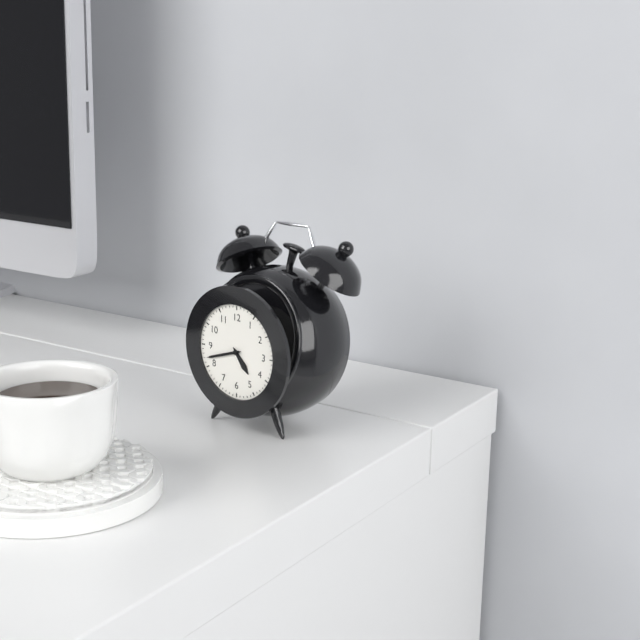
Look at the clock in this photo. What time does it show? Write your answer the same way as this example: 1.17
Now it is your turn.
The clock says 4.42
